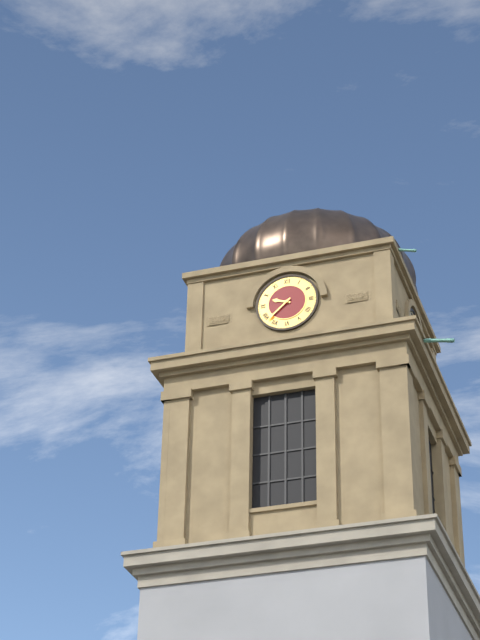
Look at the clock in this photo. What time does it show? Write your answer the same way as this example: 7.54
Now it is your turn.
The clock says 9.38
